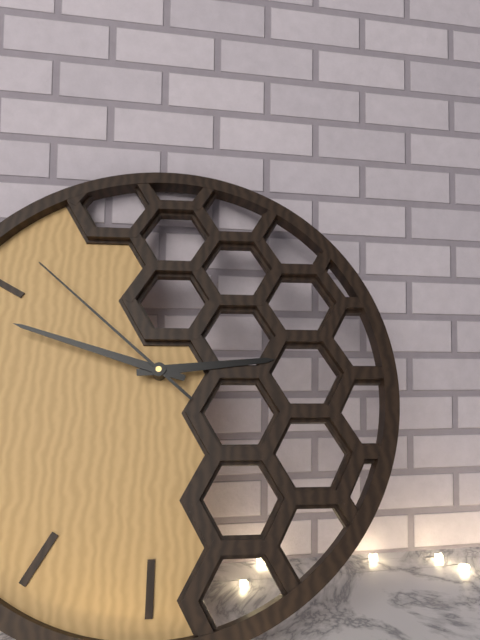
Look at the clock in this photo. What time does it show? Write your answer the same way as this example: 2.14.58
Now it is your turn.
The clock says 2.48.52
